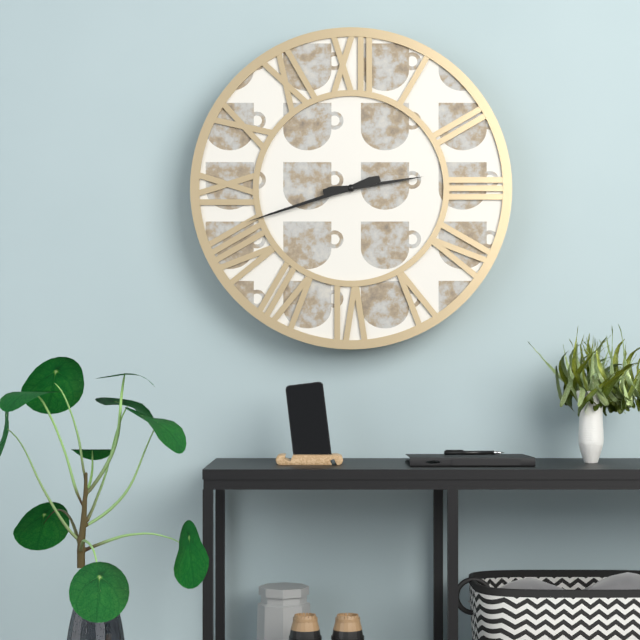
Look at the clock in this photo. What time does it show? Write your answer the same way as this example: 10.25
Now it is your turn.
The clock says 2.42
